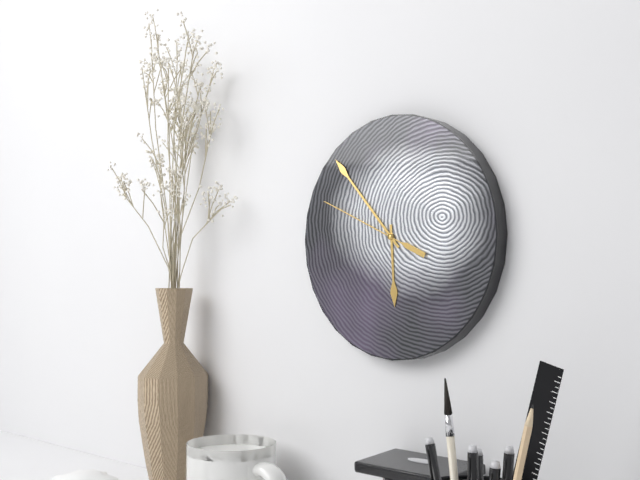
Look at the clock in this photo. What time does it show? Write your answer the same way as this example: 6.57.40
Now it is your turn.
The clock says 5.53.49
